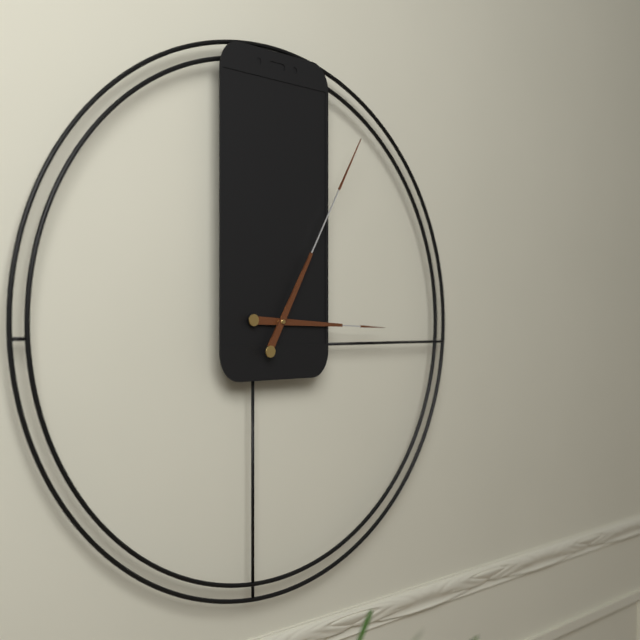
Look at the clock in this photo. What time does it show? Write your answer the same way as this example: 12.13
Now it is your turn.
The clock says 3.05
